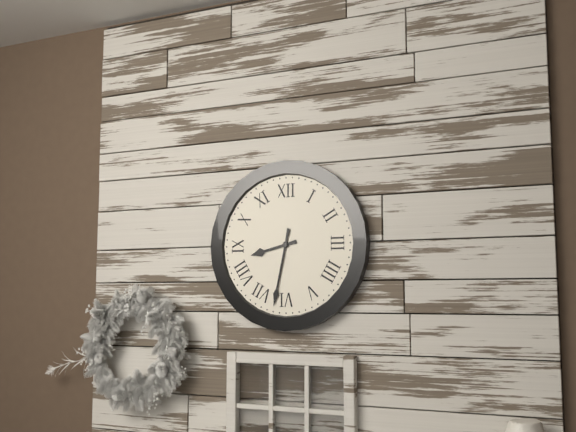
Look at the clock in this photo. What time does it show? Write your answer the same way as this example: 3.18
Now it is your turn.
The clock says 8.32
